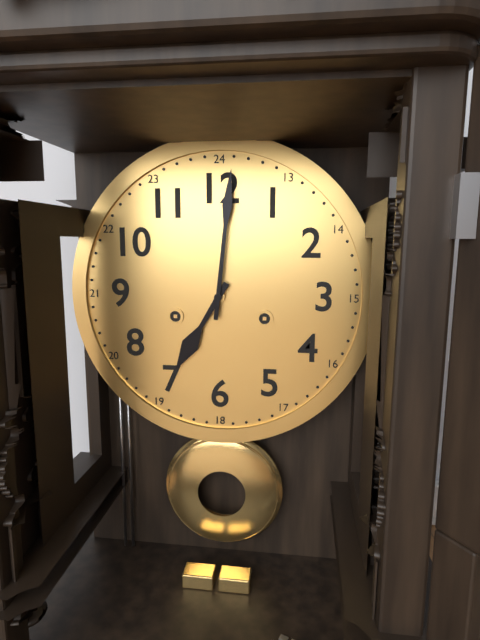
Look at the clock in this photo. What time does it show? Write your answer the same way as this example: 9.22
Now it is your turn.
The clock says 7.01
